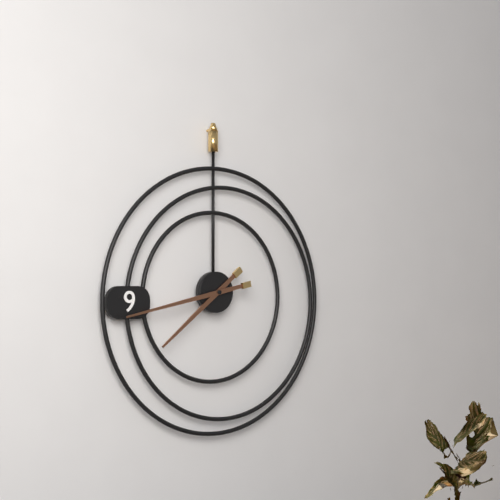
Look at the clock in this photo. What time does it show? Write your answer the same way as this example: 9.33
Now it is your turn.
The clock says 7.43
